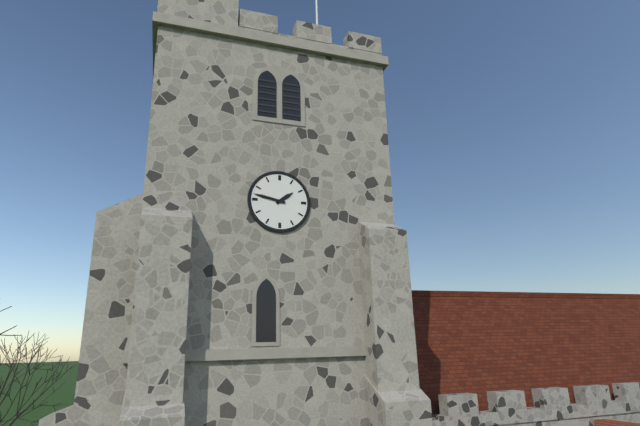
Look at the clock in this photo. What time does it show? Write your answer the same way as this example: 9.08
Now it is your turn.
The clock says 1.47
